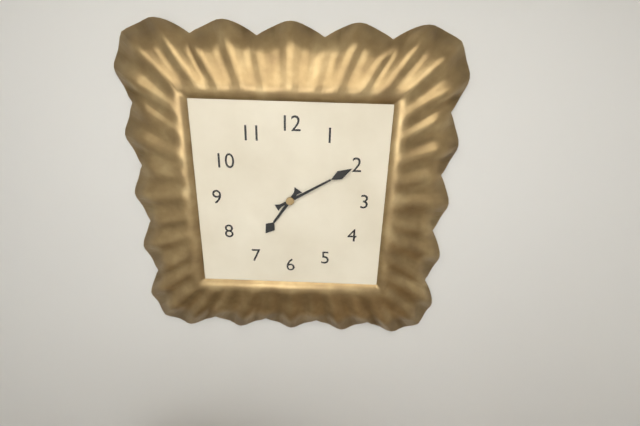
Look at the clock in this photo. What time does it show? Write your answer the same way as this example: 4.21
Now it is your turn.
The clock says 7.10
